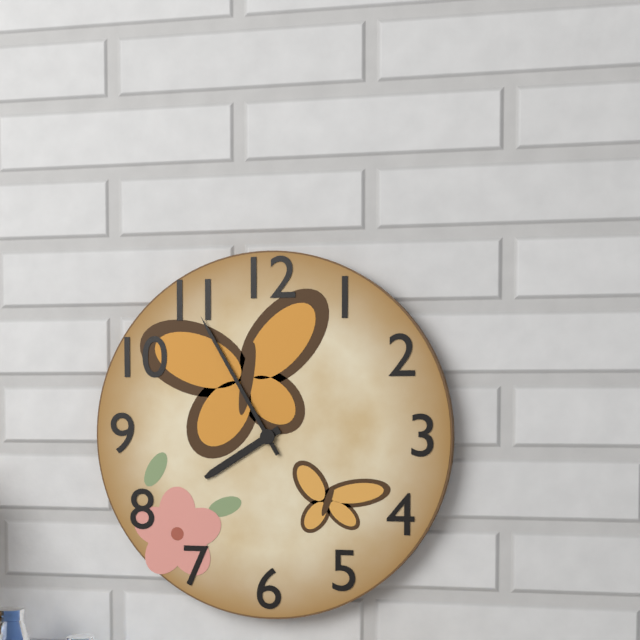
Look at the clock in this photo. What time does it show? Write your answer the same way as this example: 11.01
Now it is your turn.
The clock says 7.55
